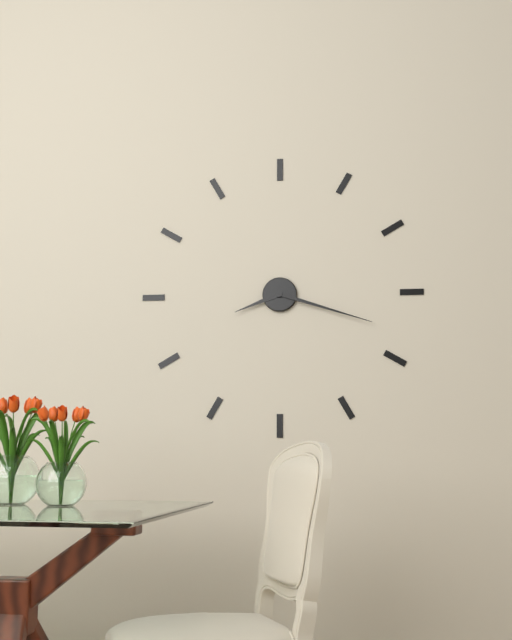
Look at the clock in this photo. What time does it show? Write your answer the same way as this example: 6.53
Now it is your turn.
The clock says 8.18
